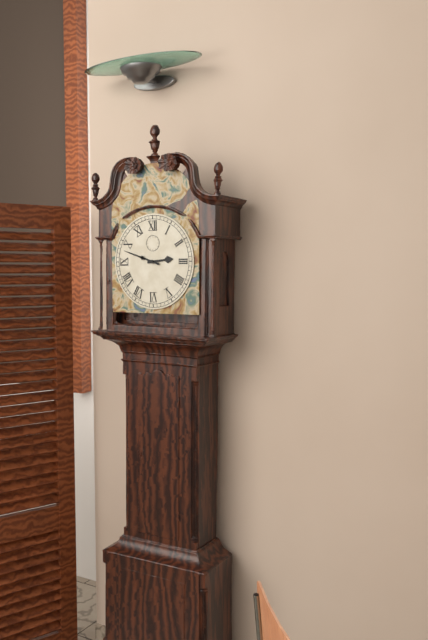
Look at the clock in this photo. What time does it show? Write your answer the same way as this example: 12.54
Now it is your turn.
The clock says 2.48
